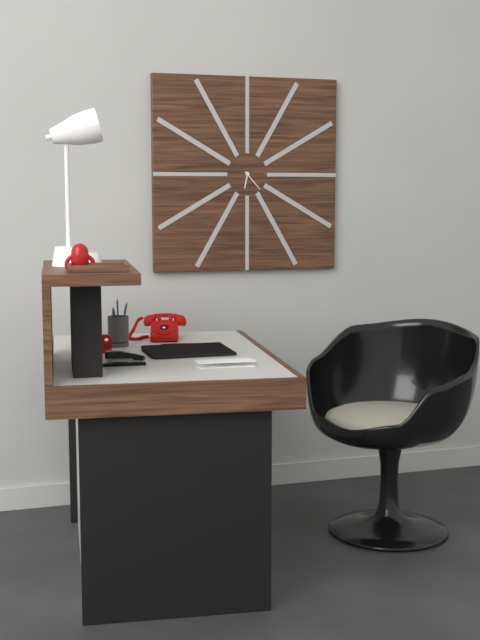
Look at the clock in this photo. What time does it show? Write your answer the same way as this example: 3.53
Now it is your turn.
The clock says 6.23
